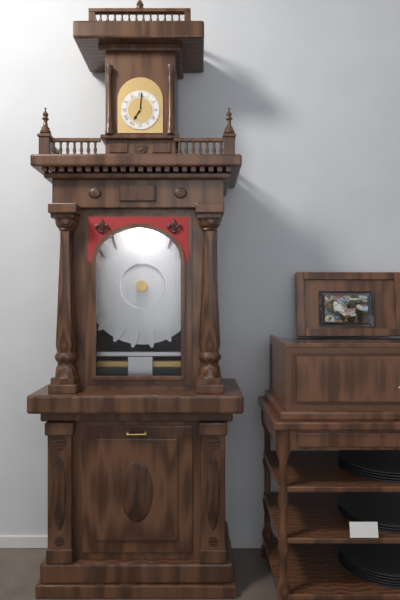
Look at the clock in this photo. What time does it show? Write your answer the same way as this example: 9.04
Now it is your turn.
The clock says 7.01
